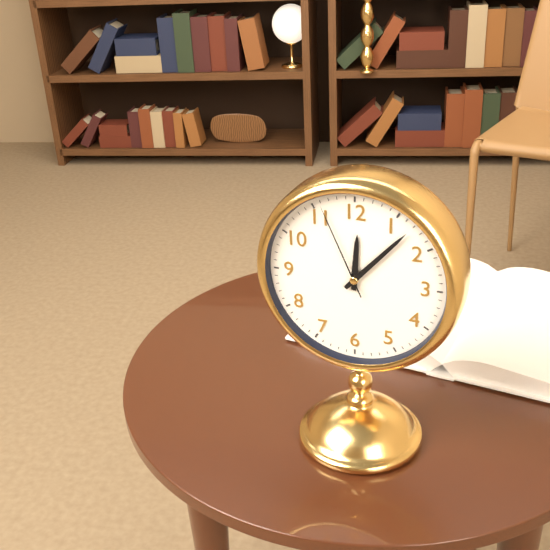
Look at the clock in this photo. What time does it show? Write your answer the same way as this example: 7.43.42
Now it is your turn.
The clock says 12.07.56
